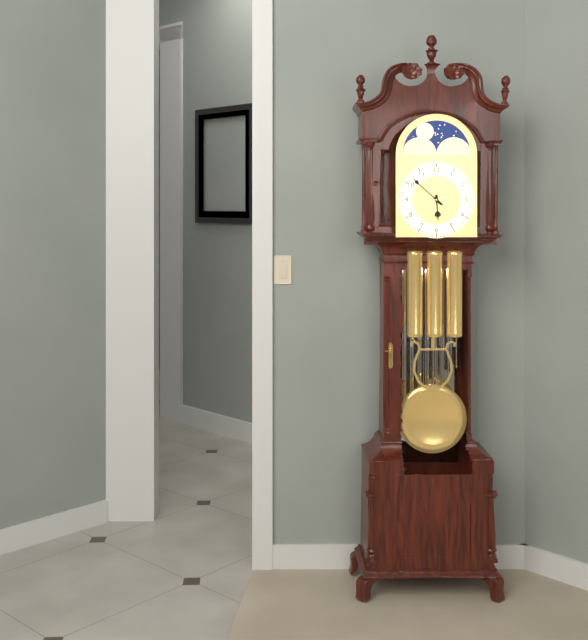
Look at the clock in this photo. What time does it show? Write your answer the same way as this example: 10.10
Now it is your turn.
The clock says 5.52
